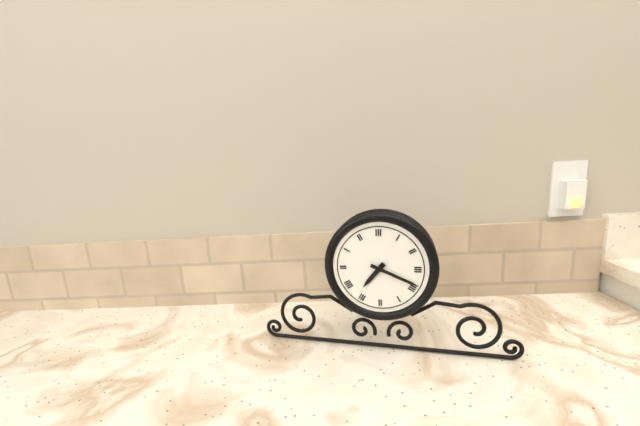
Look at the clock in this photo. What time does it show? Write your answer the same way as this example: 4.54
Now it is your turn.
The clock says 7.19
